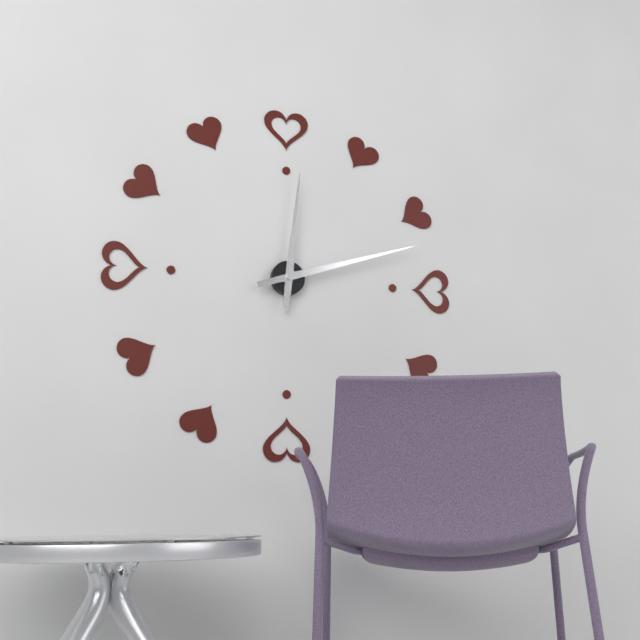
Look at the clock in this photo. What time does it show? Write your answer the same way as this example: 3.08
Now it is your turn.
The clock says 12.12
